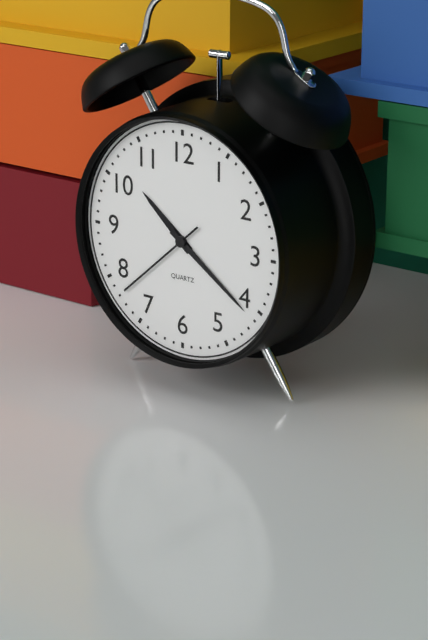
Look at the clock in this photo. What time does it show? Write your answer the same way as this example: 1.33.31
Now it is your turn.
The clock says 10.21.38
